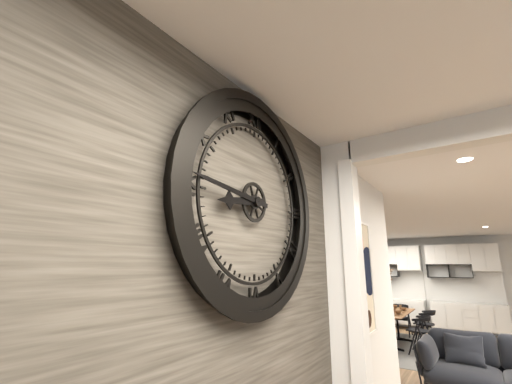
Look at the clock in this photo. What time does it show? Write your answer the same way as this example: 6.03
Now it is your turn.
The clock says 8.46
